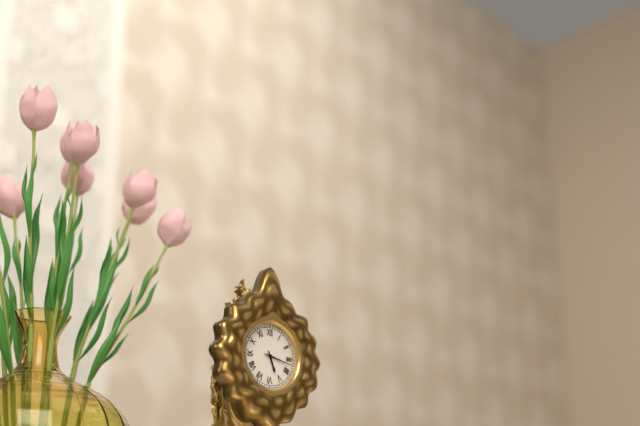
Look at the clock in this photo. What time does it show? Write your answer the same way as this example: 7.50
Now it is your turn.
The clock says 5.17
